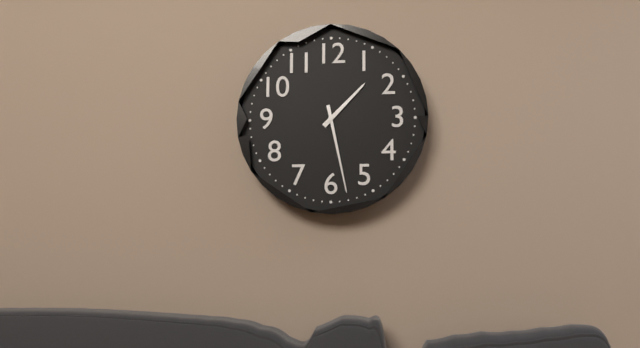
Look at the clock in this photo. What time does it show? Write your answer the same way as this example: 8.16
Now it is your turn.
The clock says 1.28
